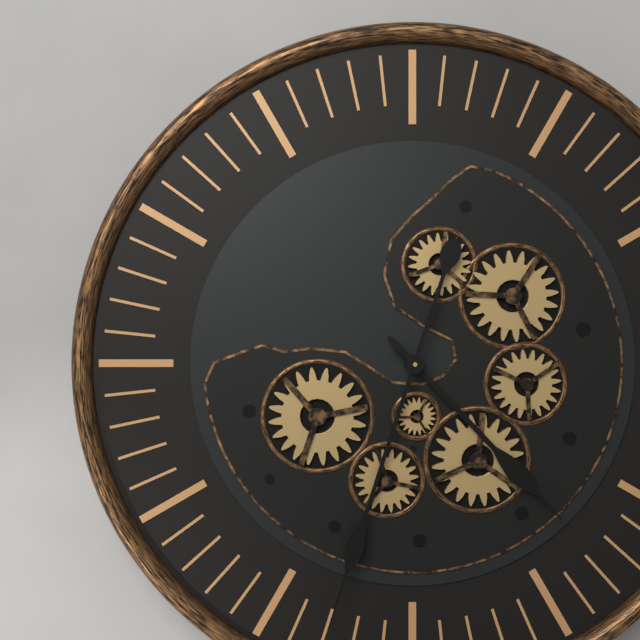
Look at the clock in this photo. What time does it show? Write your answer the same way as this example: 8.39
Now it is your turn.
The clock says 4.33
